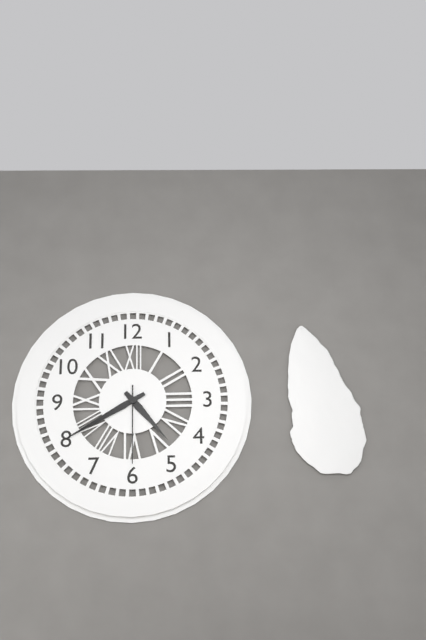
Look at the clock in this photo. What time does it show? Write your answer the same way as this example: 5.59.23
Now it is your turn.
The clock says 4.40.30
